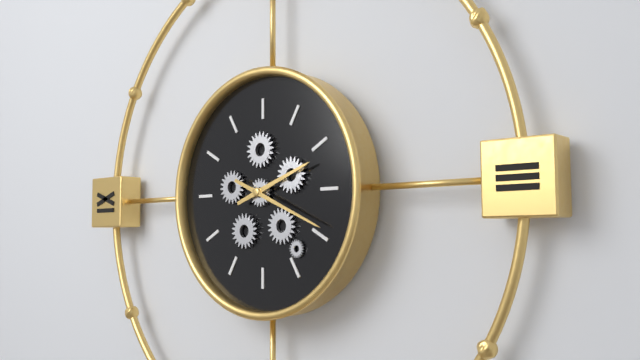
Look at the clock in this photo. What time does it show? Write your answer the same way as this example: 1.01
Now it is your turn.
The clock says 2.19
